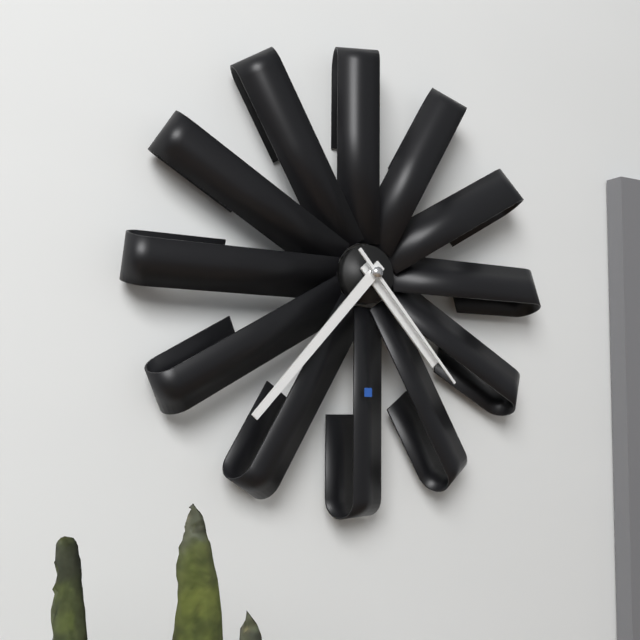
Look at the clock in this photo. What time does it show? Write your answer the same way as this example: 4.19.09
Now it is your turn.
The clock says 4.37.23
